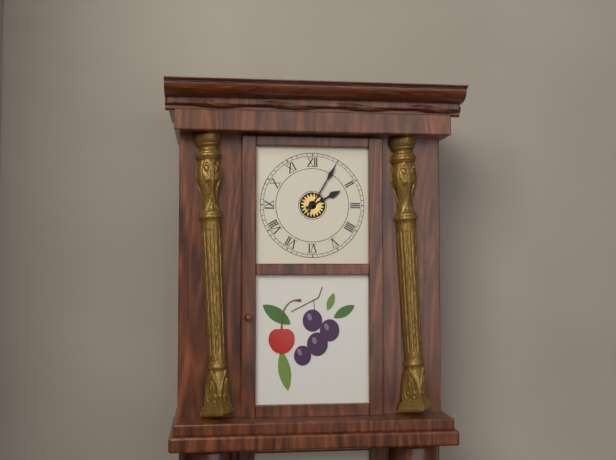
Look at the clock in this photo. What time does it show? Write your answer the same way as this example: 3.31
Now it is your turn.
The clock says 2.05
